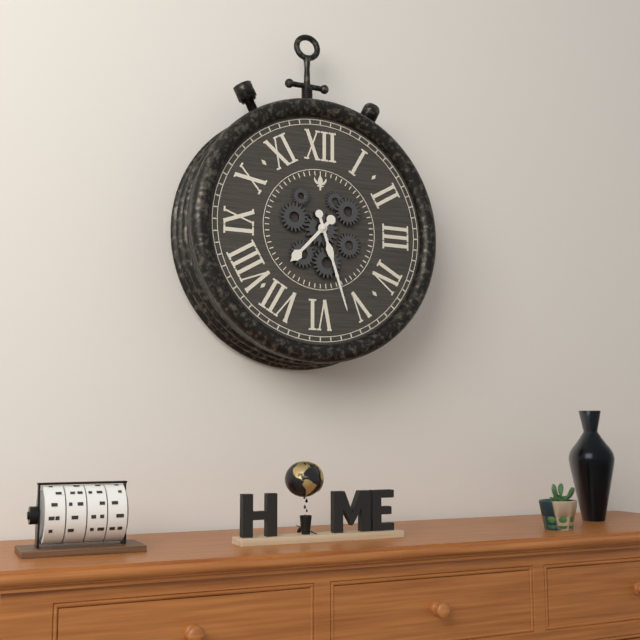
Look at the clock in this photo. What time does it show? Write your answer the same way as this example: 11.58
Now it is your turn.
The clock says 7.27
